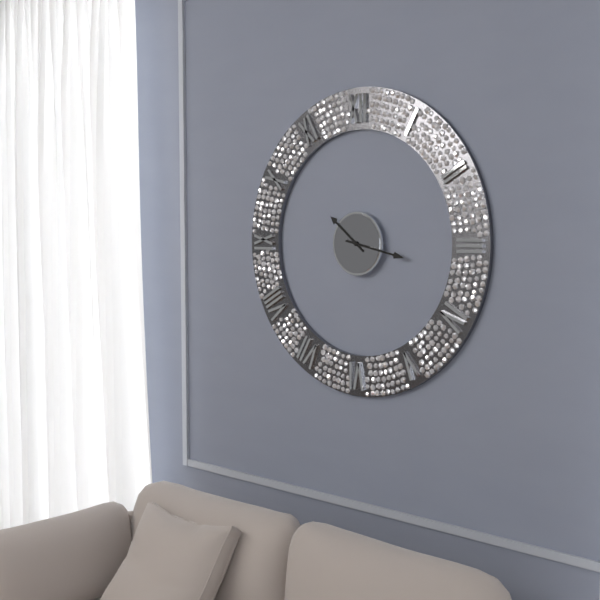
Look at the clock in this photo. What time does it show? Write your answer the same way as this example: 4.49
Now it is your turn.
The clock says 10.17
